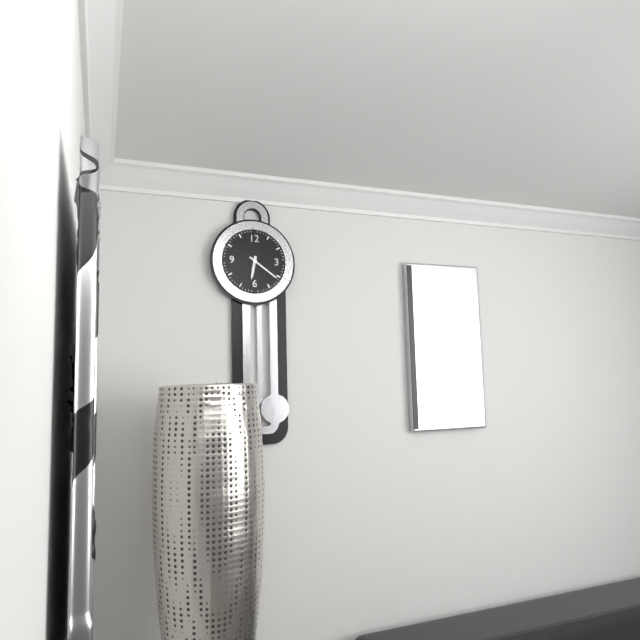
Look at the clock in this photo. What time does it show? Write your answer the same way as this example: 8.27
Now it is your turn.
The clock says 6.21
